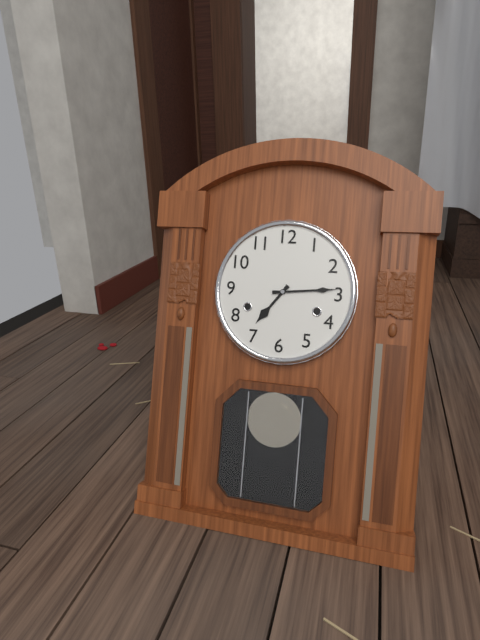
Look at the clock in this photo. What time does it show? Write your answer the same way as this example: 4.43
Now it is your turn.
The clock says 7.14
